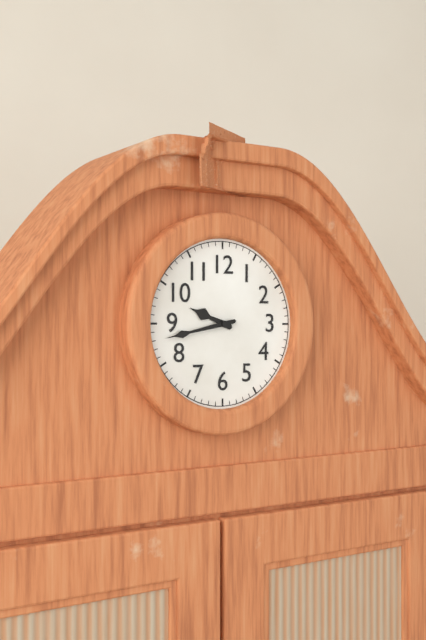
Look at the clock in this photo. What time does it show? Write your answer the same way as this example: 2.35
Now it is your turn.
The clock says 9.43
